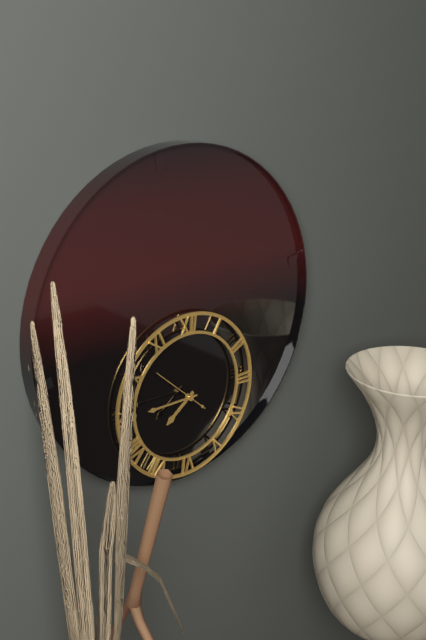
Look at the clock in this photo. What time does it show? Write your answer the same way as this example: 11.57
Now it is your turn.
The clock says 7.45
